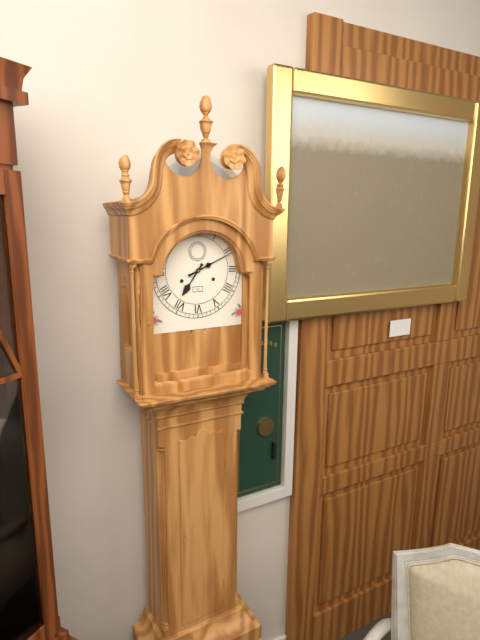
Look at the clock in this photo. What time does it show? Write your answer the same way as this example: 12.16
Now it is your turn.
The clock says 7.11
